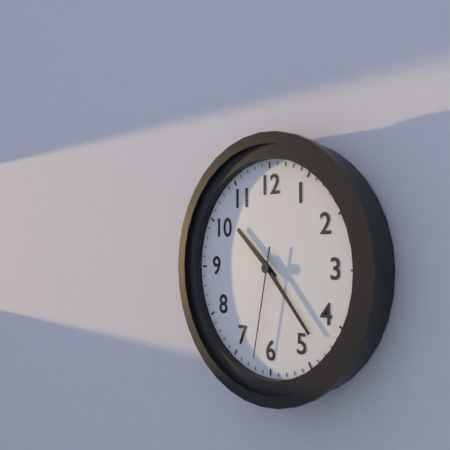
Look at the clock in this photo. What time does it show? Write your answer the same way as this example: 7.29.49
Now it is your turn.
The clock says 10.23.32
